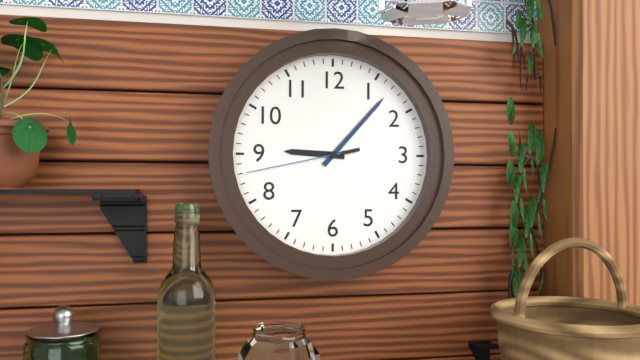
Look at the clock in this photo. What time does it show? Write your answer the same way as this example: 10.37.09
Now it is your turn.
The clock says 9.07.43
